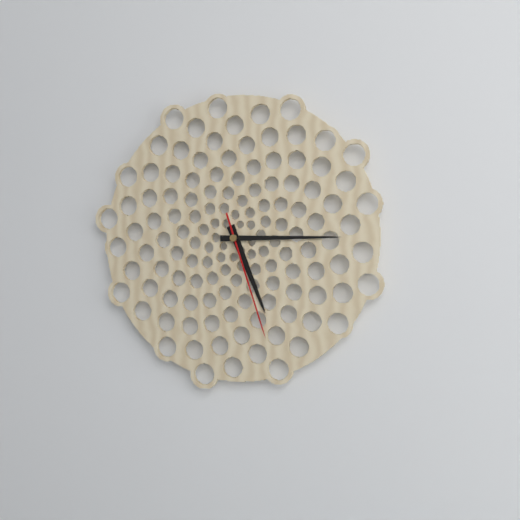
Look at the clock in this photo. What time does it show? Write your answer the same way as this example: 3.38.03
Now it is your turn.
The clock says 5.15.27
